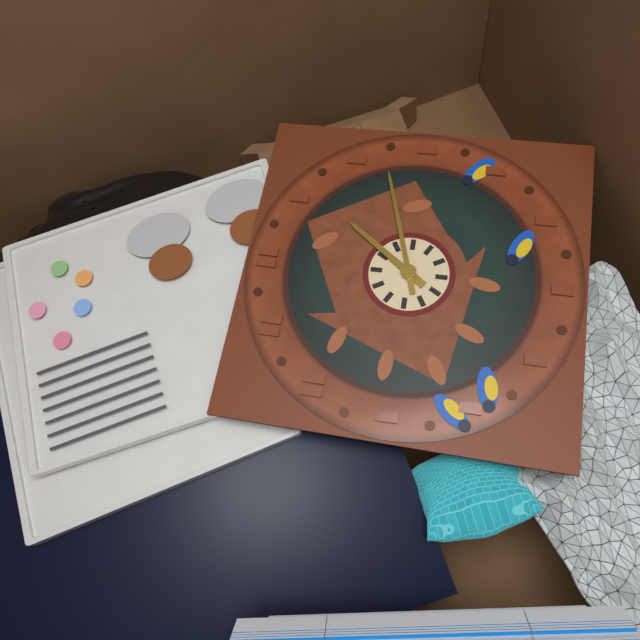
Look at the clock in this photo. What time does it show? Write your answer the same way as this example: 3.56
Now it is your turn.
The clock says 1.12
